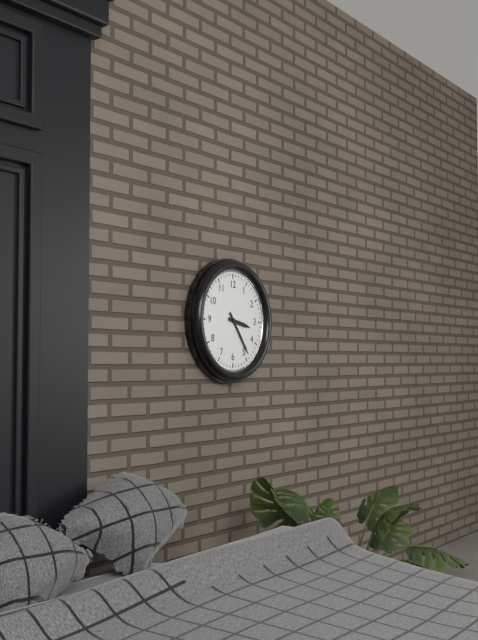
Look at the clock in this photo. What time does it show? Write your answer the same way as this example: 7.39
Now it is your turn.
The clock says 3.24
